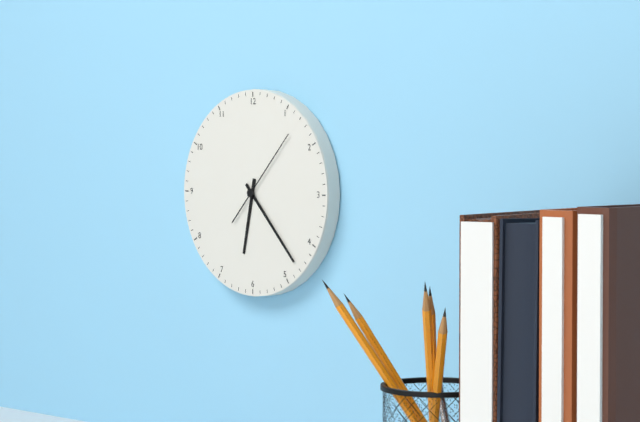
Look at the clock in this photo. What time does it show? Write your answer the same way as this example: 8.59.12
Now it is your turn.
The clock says 6.23.07
